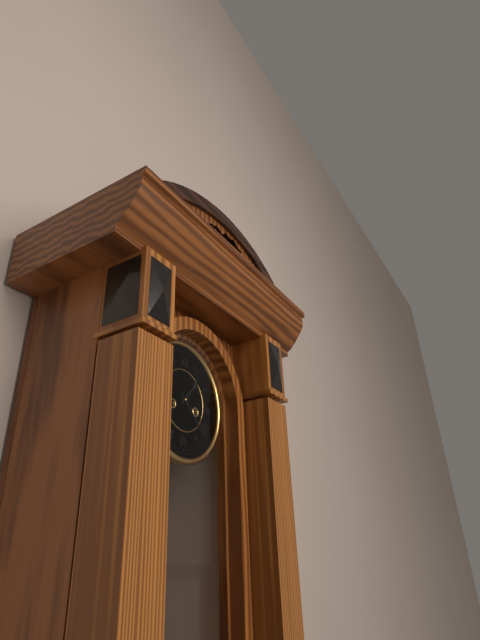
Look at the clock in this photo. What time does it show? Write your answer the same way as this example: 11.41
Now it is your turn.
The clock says 1.22
